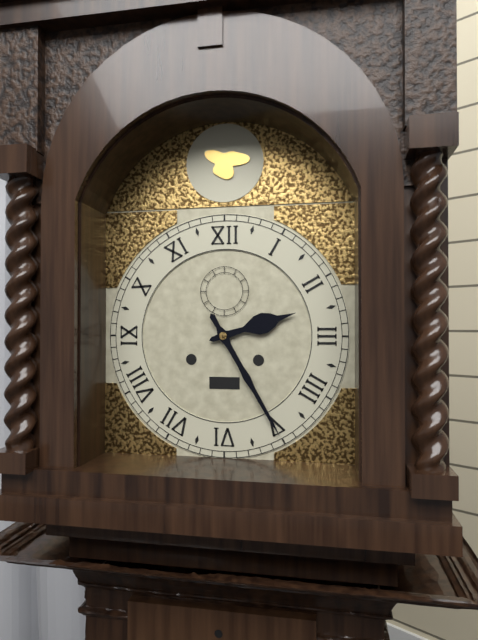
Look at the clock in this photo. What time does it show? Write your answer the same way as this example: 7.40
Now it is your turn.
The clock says 2.25
